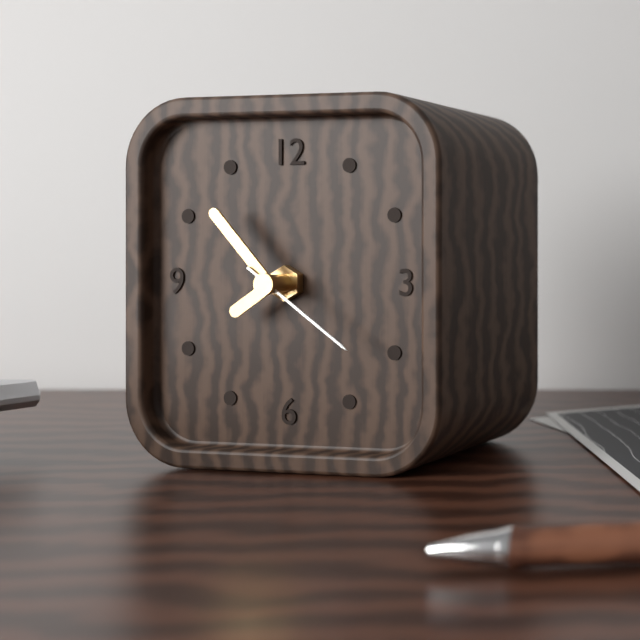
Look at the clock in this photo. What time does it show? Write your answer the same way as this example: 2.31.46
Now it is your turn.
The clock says 7.53.21
